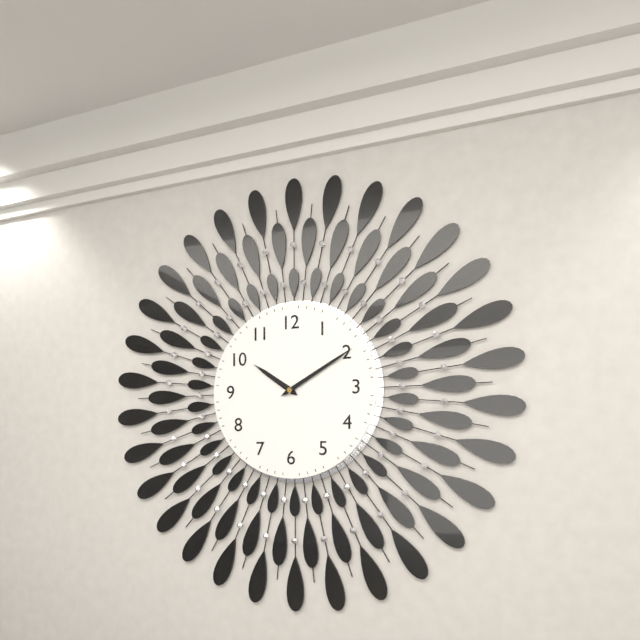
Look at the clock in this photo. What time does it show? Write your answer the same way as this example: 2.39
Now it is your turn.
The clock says 10.10
